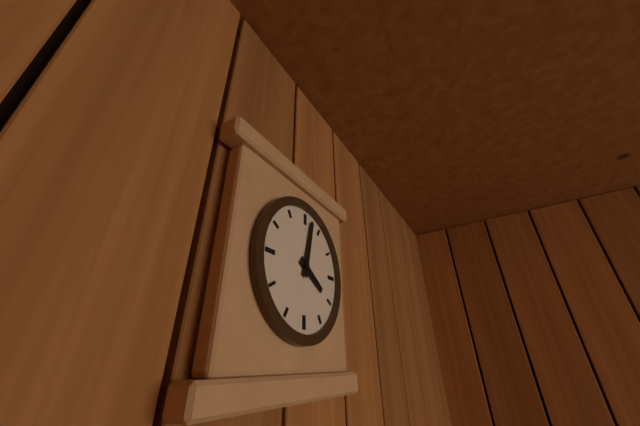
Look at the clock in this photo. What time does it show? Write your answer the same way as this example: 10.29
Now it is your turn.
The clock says 4.02
